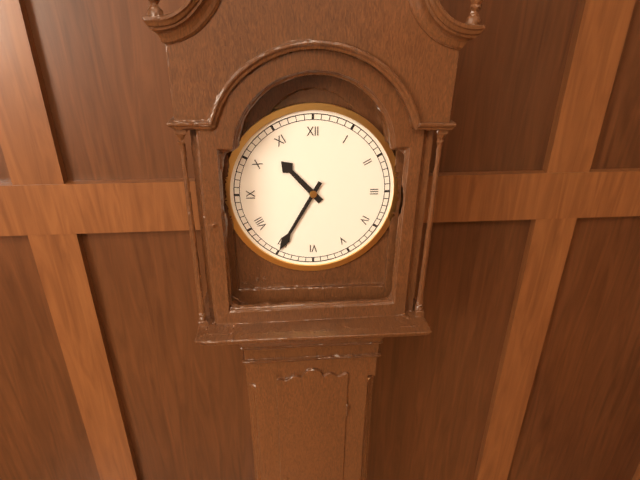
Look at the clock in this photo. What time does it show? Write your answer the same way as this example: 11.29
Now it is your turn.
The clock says 10.35
